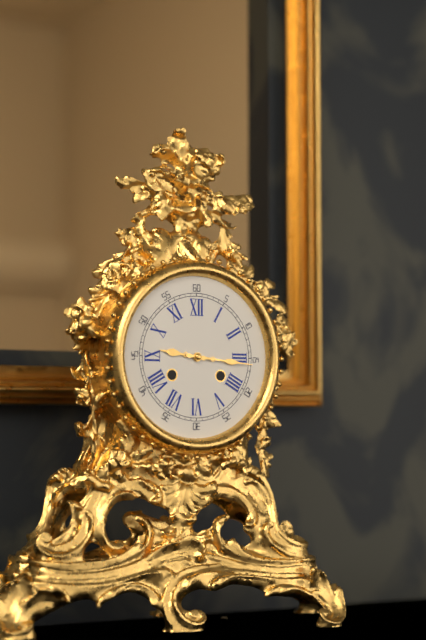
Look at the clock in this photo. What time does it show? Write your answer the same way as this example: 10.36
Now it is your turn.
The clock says 9.16
